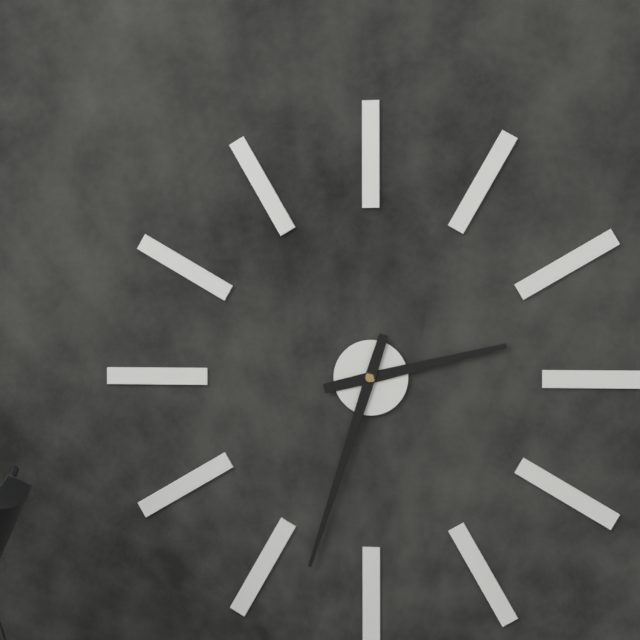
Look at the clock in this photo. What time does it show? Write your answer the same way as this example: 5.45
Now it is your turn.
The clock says 2.33
